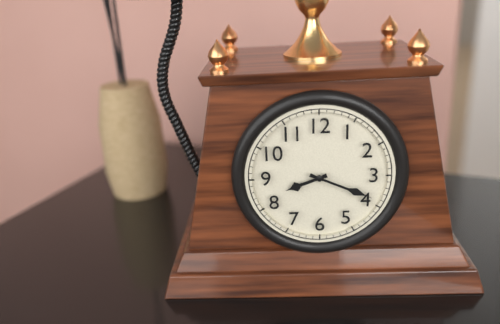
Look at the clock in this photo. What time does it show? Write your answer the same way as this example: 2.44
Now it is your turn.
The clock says 8.19
